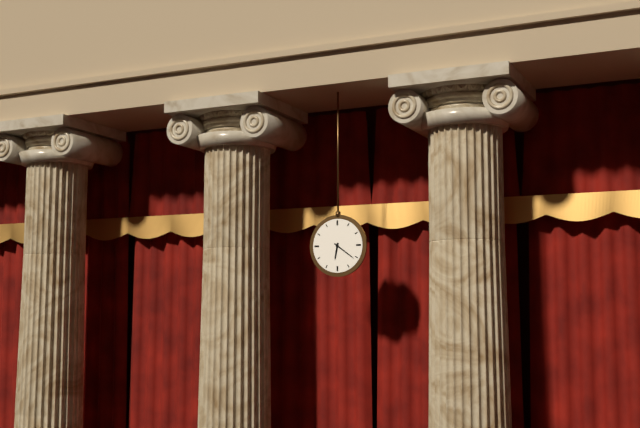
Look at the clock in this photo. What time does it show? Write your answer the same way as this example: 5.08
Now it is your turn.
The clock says 6.21
